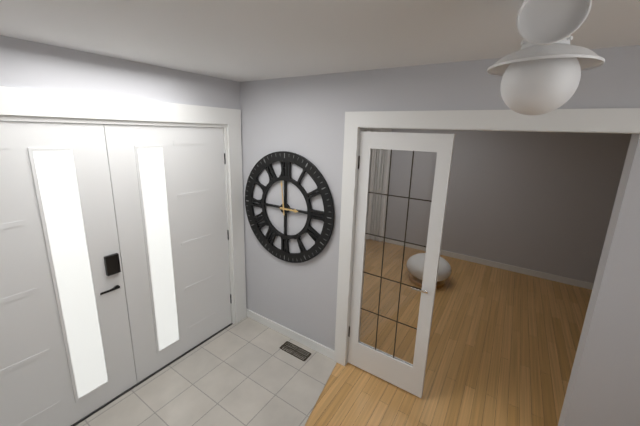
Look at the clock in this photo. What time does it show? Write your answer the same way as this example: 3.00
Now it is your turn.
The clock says 2.59
